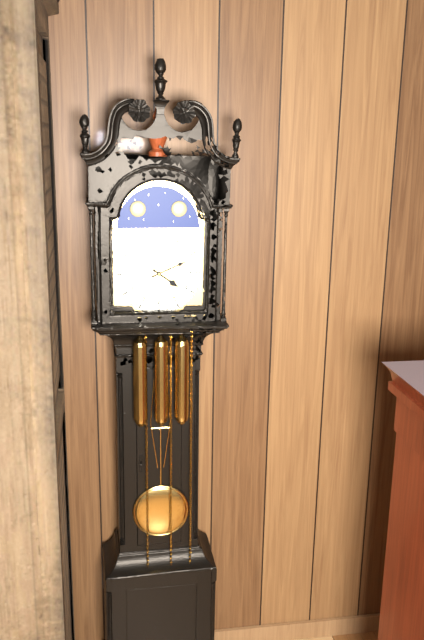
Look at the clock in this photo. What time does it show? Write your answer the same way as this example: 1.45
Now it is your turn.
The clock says 4.11
